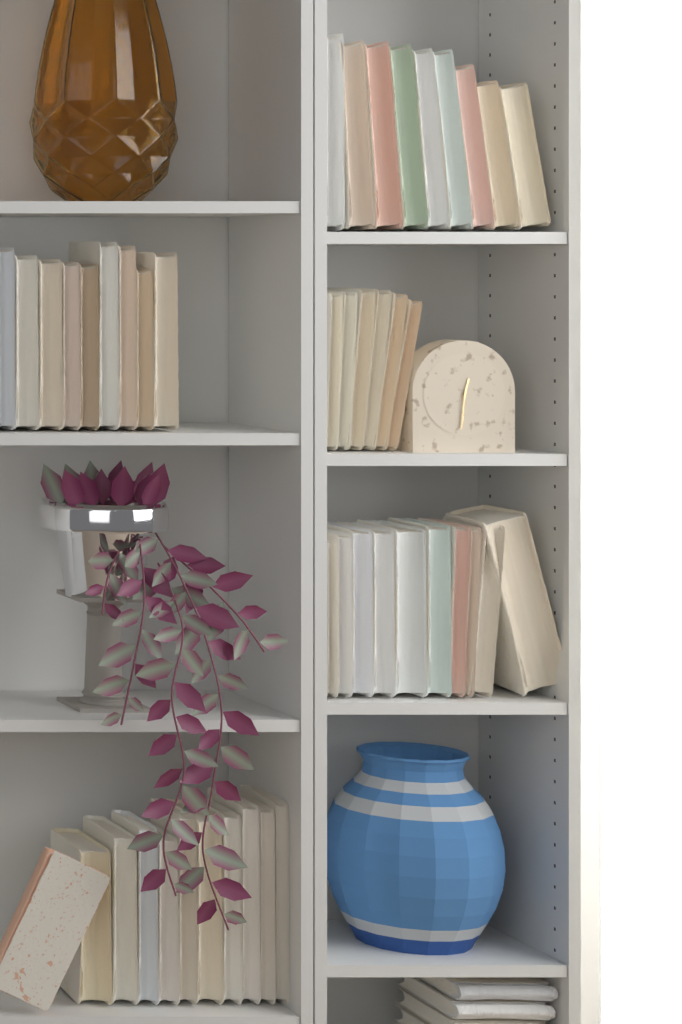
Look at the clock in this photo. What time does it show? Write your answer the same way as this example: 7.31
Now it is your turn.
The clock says 12.31
